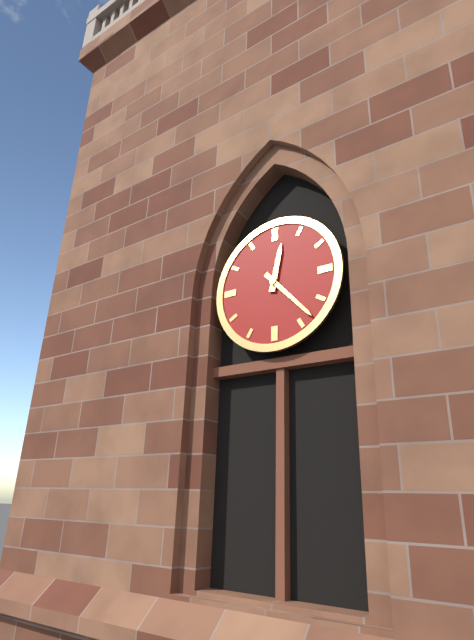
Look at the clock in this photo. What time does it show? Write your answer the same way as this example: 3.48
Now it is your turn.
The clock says 12.23
